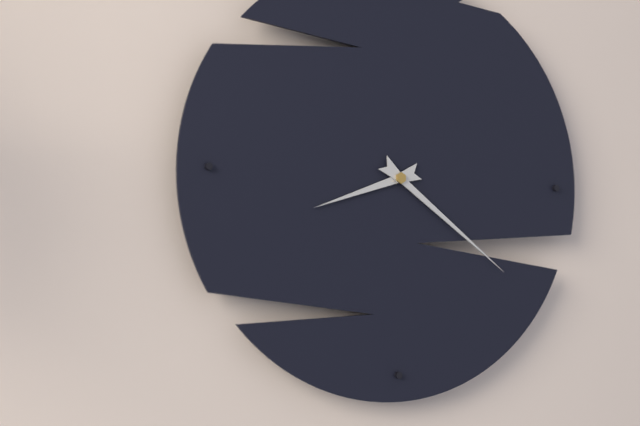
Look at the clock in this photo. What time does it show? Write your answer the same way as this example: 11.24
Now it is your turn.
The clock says 8.21
